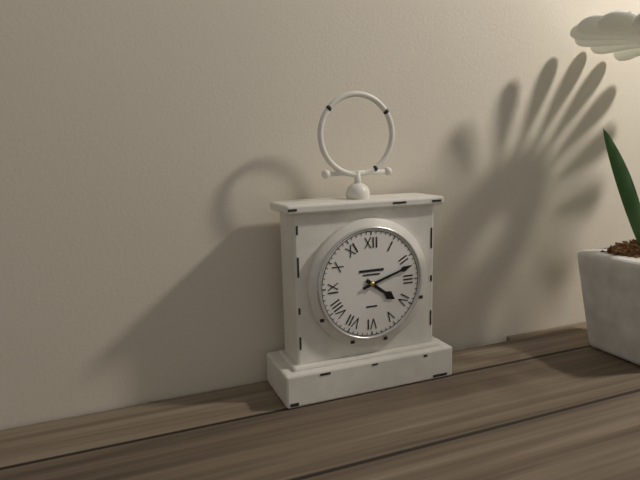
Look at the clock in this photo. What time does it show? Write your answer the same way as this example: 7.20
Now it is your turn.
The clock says 4.12
